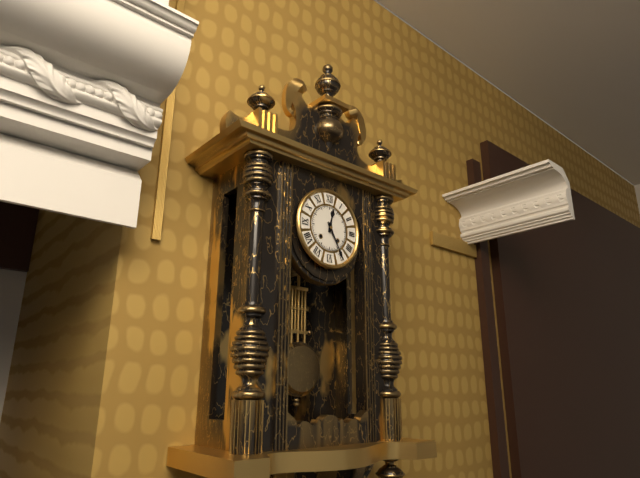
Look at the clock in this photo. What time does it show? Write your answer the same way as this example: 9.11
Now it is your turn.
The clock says 12.25
